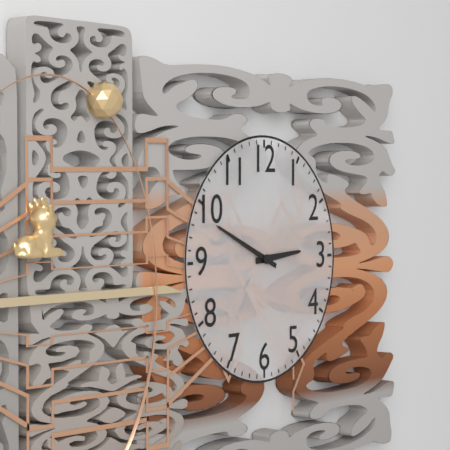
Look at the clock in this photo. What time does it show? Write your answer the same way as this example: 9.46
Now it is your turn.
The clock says 2.49
